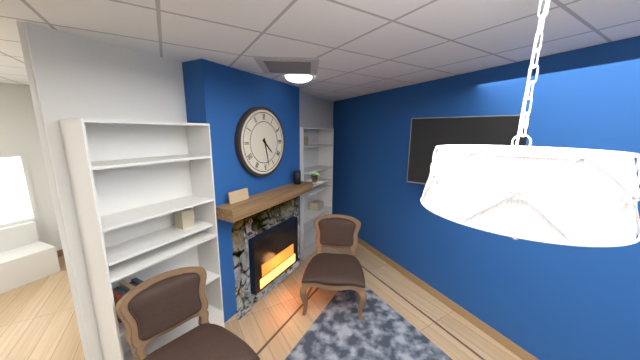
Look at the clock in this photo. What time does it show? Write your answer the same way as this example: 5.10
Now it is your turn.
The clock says 4.28
